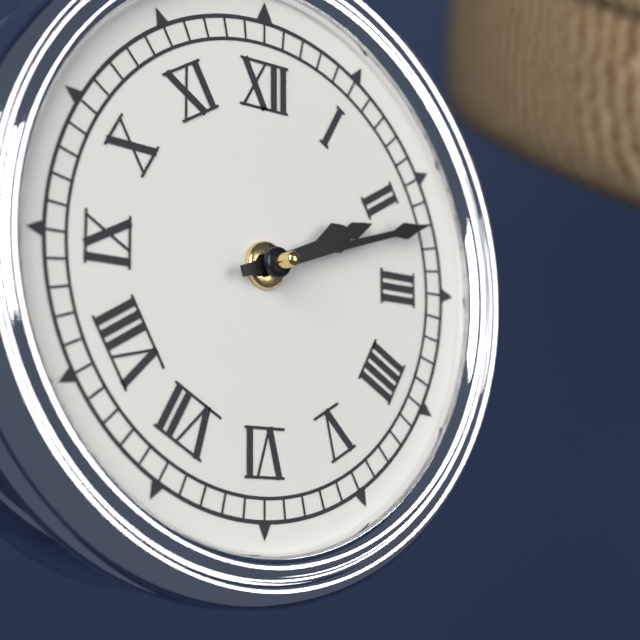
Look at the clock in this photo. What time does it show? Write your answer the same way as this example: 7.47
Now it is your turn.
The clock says 2.12
